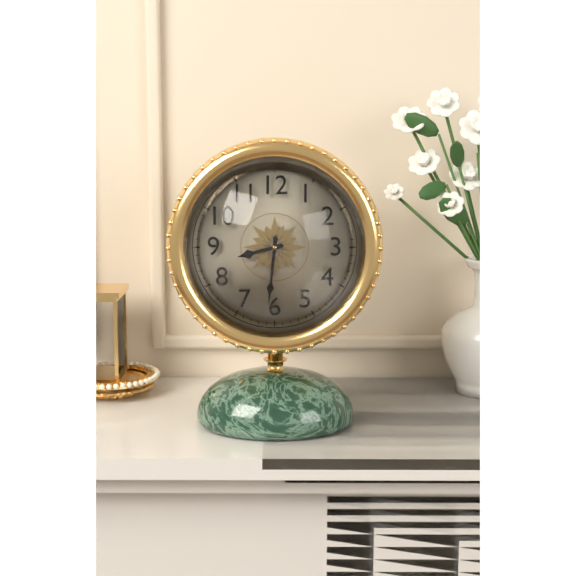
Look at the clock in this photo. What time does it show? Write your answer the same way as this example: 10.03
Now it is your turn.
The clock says 8.31
